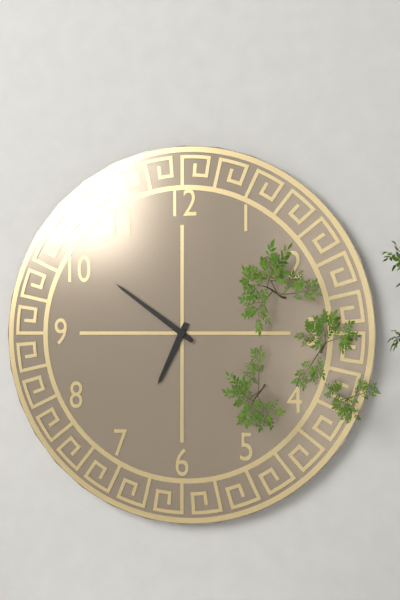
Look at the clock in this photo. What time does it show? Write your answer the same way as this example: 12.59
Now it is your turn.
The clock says 6.51
